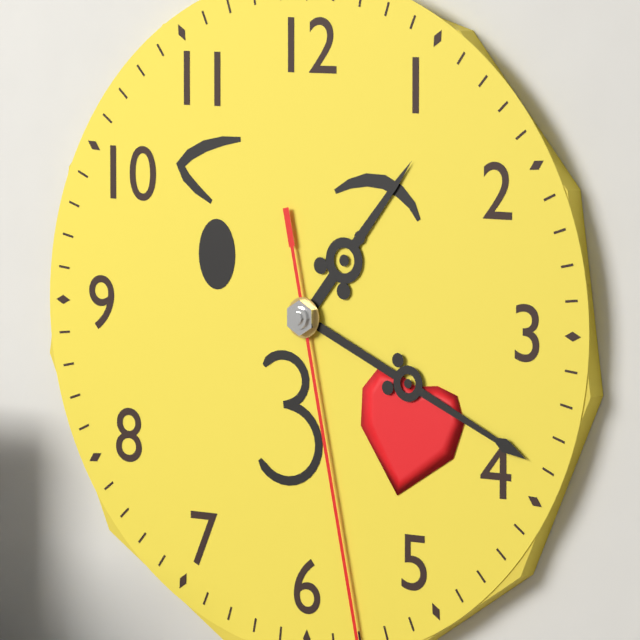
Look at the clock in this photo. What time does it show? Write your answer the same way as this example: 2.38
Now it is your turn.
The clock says 1.19
